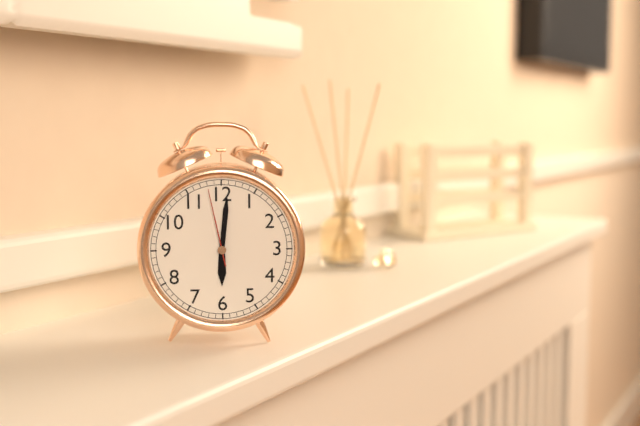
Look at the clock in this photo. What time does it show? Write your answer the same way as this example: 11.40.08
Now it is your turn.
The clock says 6.01.58
